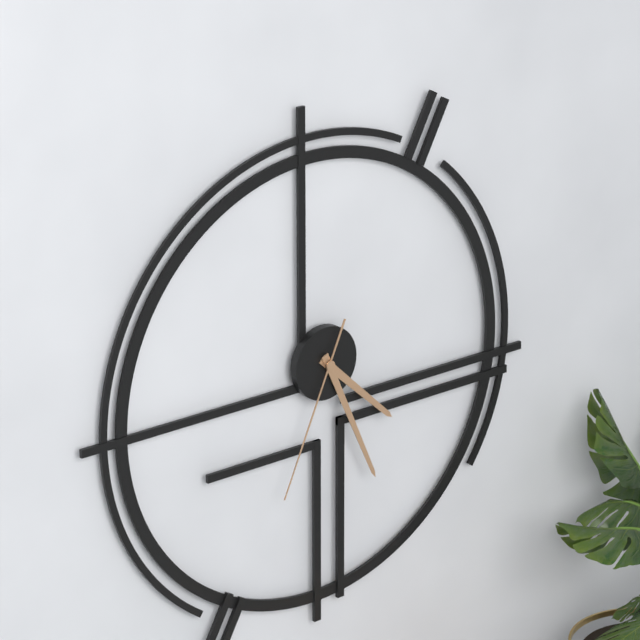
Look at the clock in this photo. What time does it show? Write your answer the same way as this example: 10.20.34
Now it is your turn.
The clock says 4.26.34
